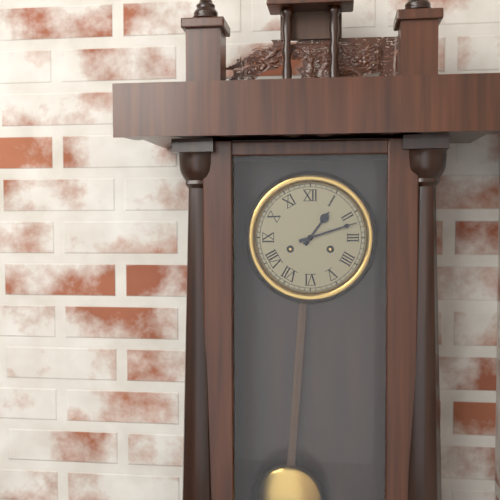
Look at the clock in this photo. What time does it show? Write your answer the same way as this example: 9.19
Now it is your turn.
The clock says 1.12
